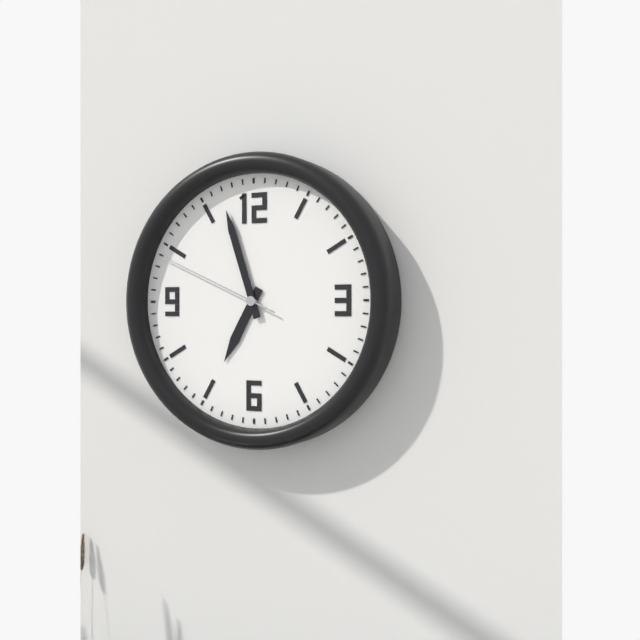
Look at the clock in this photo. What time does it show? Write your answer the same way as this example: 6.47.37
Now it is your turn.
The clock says 6.57.49
